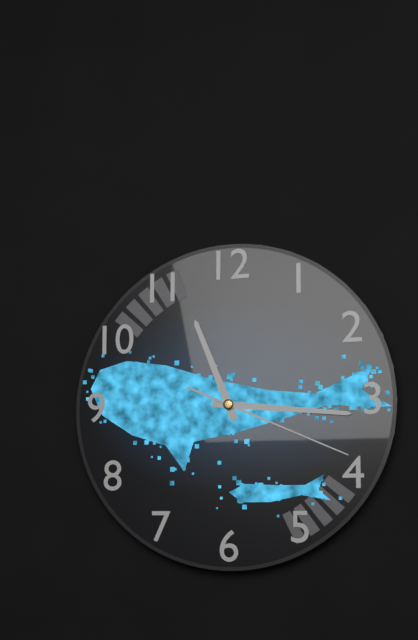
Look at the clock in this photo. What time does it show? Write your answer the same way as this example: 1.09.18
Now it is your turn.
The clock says 11.16.19
